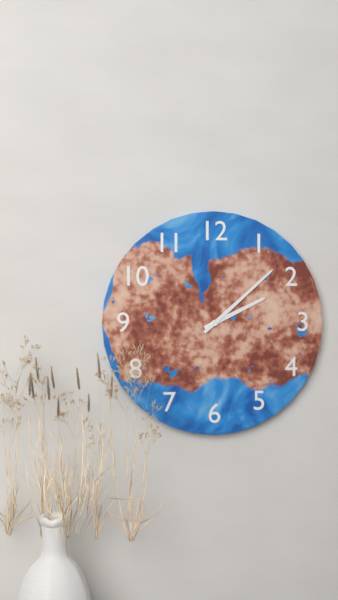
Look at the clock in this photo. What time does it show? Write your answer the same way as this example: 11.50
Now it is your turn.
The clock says 2.08
